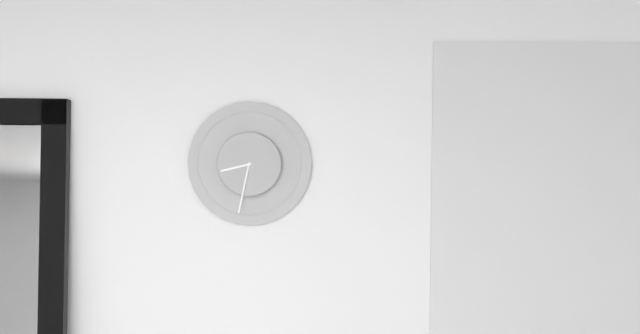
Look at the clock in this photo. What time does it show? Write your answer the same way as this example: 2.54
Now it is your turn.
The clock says 8.32
